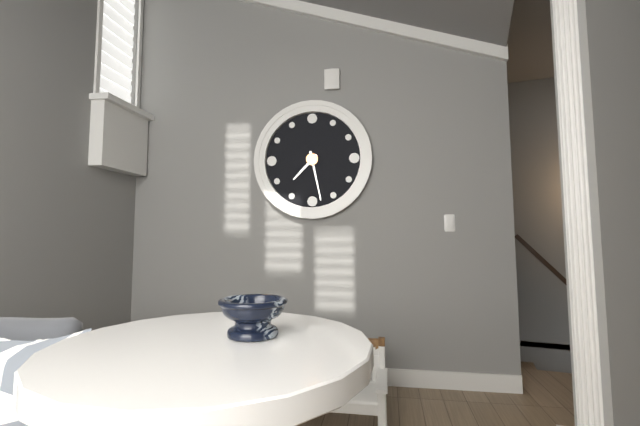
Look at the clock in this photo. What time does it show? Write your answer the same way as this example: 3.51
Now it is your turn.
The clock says 7.28
